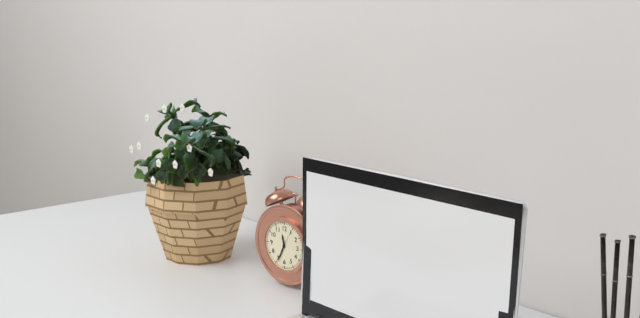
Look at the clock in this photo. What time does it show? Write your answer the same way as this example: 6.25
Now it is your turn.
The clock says 11.34
